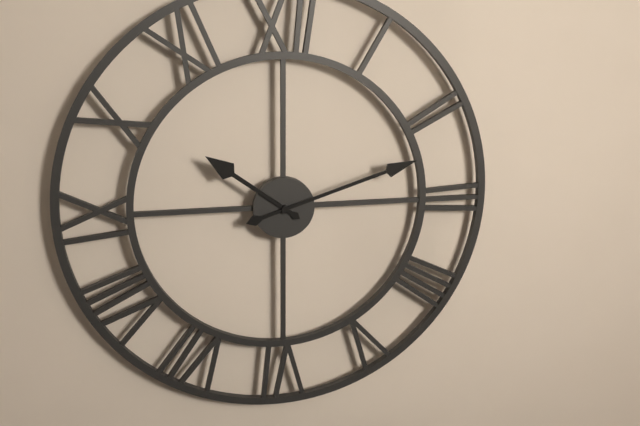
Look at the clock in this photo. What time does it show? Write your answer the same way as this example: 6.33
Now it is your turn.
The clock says 10.12
